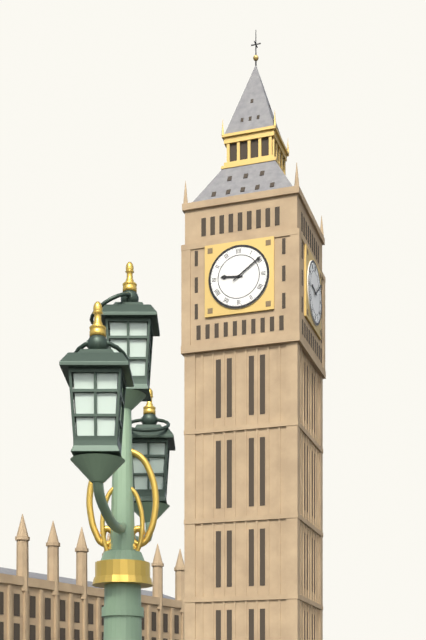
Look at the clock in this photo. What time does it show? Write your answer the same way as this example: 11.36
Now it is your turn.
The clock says 9.09
